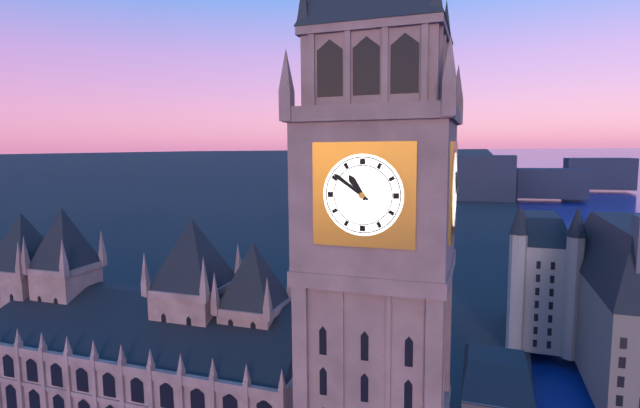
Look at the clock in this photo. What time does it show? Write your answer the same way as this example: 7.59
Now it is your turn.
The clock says 10.51
